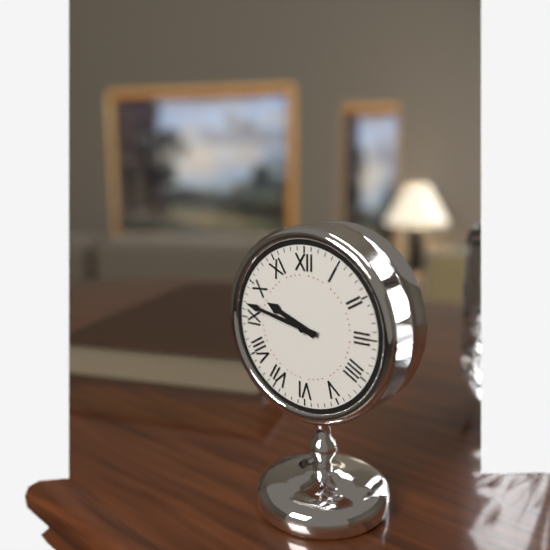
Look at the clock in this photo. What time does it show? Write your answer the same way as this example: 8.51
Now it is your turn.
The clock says 9.47
